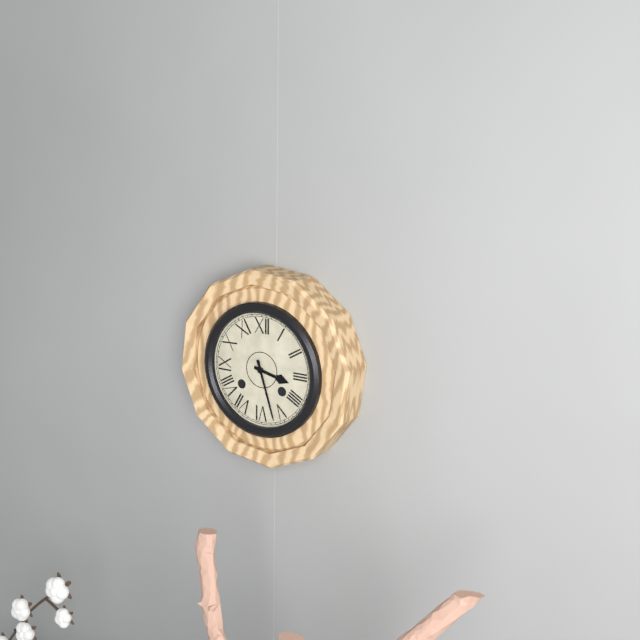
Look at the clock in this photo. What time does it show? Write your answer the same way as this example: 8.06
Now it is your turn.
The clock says 3.27
